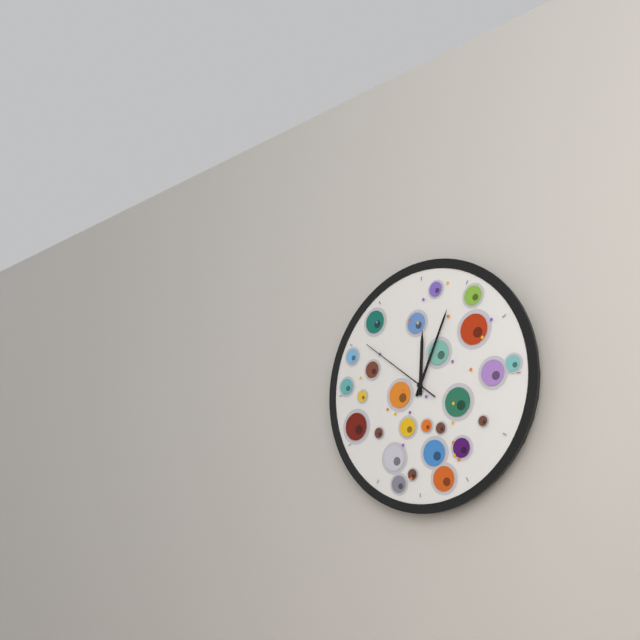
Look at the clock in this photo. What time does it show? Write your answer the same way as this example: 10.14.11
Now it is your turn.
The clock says 12.04.51
